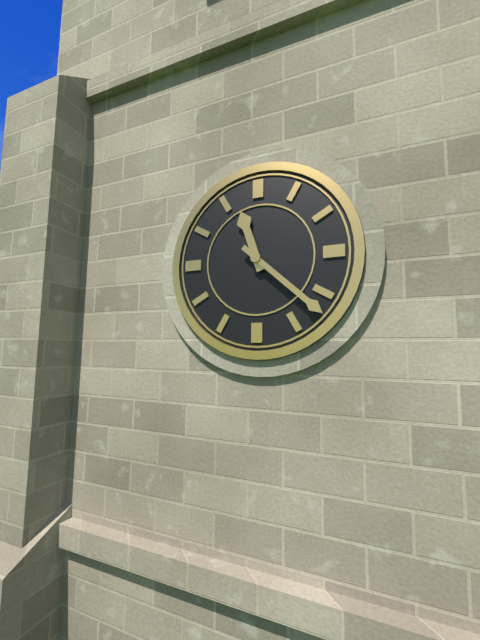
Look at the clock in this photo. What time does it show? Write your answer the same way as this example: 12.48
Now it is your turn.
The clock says 11.22
